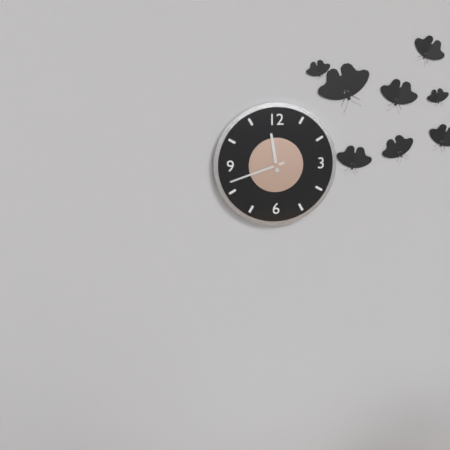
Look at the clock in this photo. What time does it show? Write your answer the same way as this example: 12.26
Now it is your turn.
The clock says 11.42
